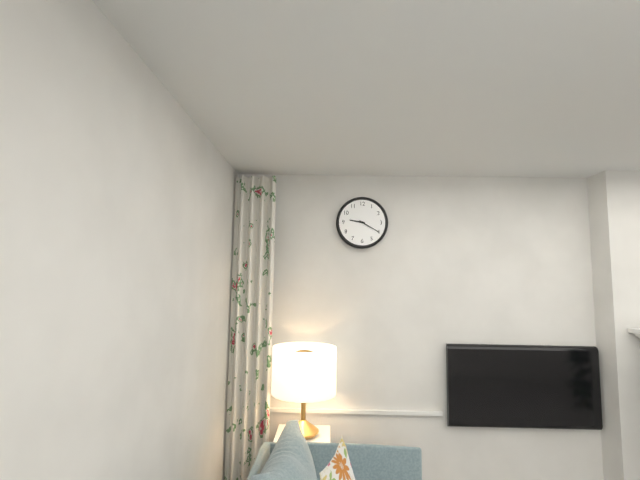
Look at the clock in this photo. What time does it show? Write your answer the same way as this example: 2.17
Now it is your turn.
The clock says 9.20
